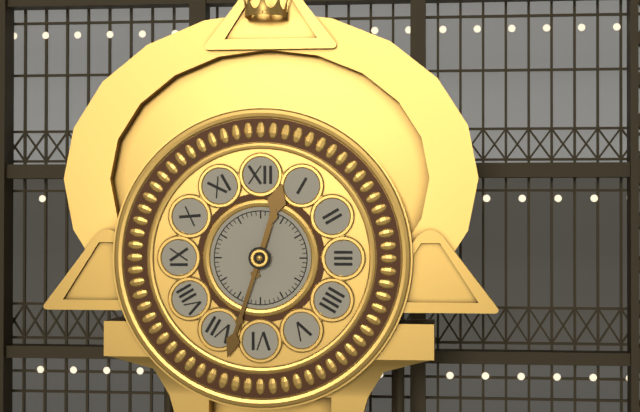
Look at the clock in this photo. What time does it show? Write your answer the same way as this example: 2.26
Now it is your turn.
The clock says 12.33
